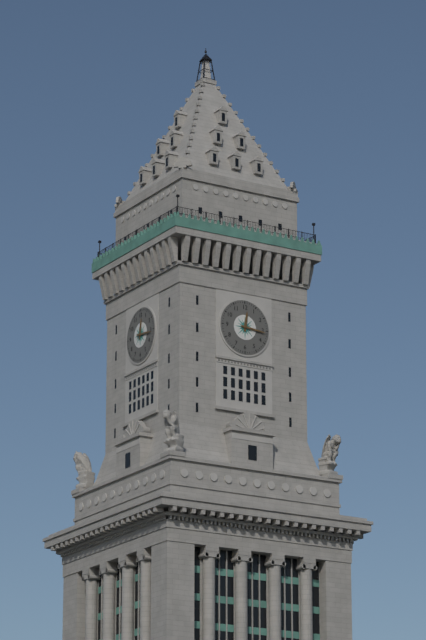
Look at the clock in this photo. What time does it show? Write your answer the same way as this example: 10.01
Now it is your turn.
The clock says 12.16
